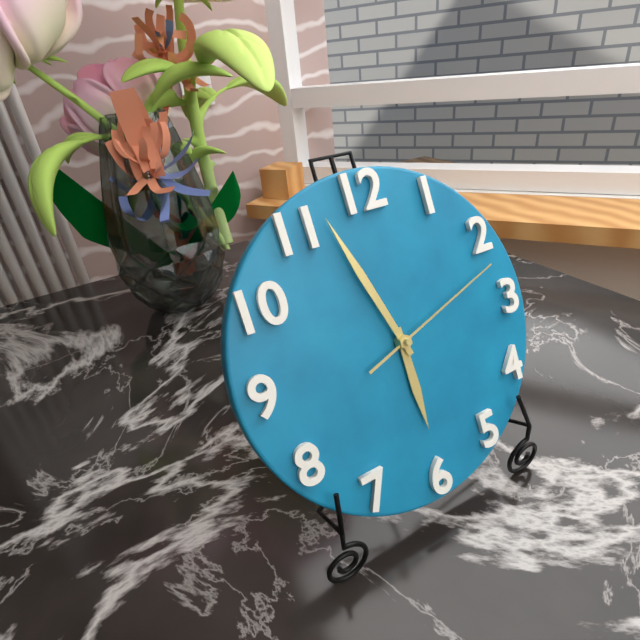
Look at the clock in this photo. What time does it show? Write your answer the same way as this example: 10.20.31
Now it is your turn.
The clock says 5.57.12
